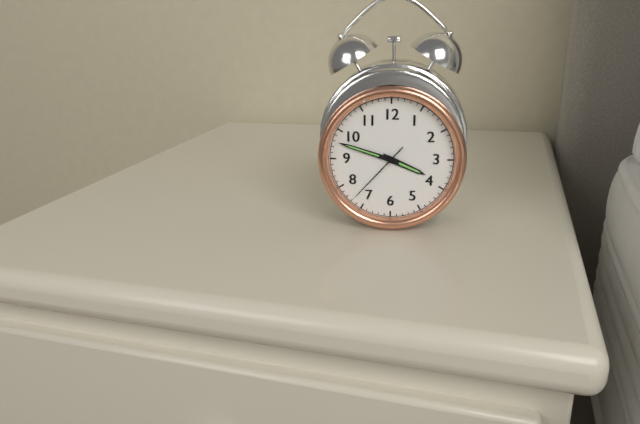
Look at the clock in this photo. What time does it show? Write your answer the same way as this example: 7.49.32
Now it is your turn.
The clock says 3.48.37
